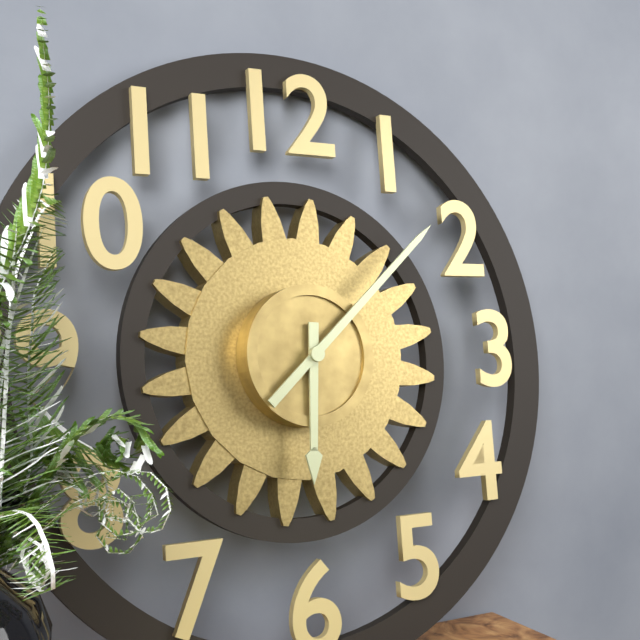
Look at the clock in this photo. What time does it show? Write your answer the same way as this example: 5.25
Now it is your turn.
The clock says 6.08
